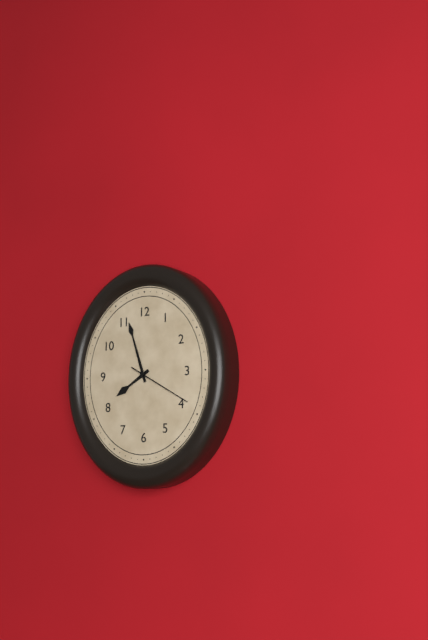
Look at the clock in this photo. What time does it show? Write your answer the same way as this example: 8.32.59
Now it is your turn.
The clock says 7.57.20
